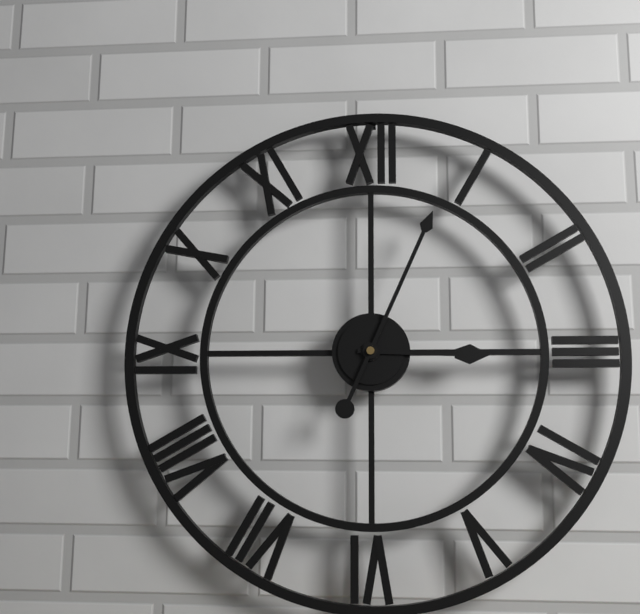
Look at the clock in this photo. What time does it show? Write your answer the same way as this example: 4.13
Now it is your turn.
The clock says 3.04
